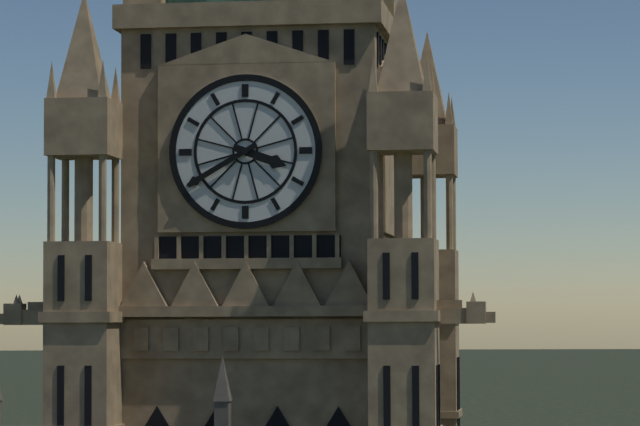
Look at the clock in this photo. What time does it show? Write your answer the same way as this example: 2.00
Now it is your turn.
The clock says 3.40
